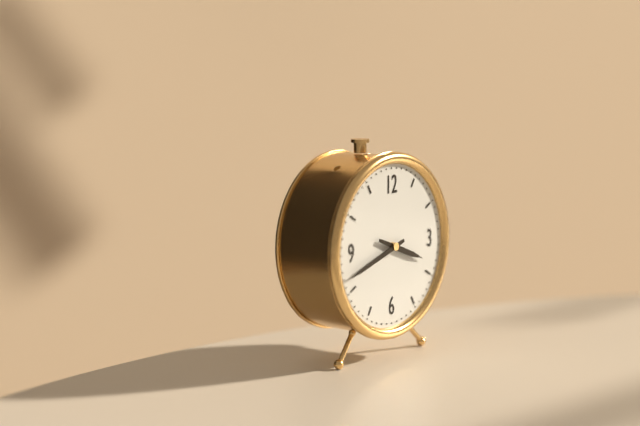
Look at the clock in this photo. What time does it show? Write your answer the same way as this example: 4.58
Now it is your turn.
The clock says 3.42
